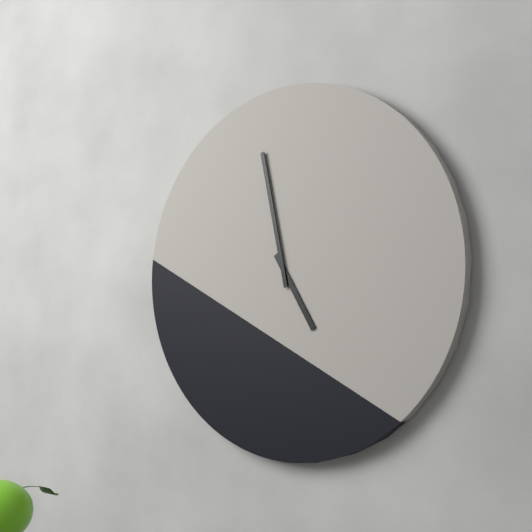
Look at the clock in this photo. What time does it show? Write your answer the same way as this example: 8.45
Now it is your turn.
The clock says 4.58
